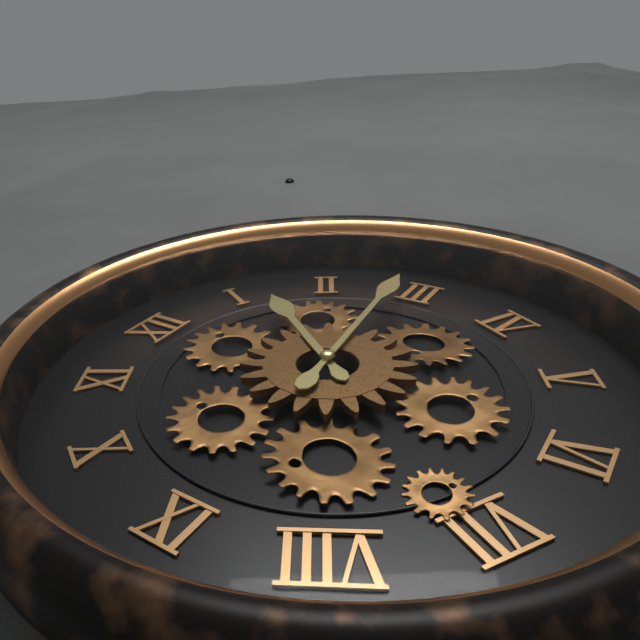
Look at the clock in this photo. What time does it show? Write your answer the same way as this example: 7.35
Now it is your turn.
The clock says 1.14
